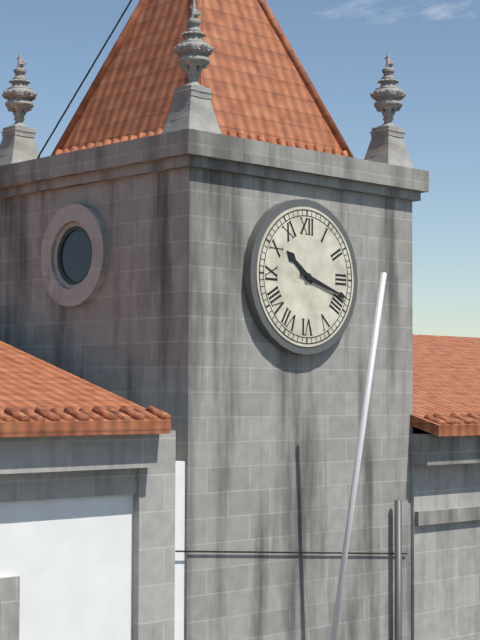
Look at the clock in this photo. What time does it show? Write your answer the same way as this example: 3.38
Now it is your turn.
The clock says 10.18
